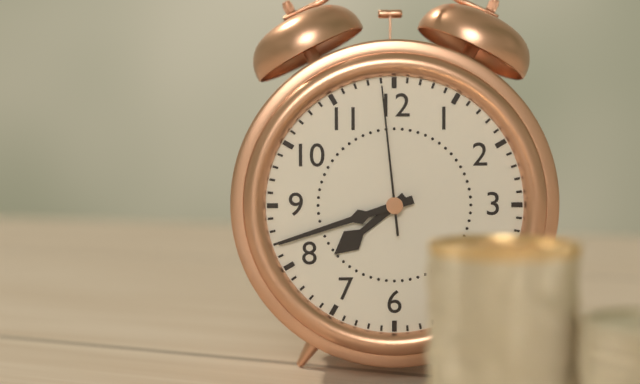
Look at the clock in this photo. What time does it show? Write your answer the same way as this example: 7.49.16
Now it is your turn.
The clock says 7.42.59
